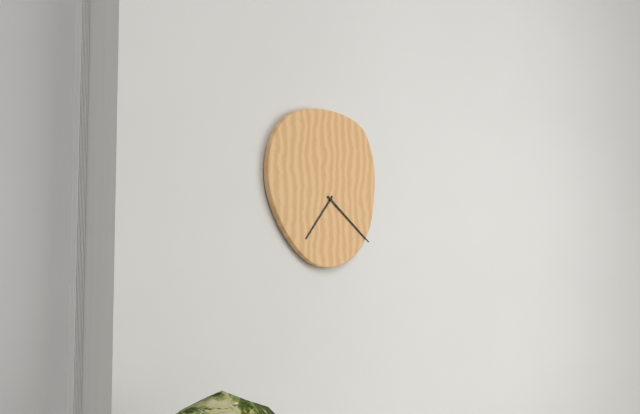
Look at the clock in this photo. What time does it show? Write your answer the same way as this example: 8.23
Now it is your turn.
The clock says 7.21
